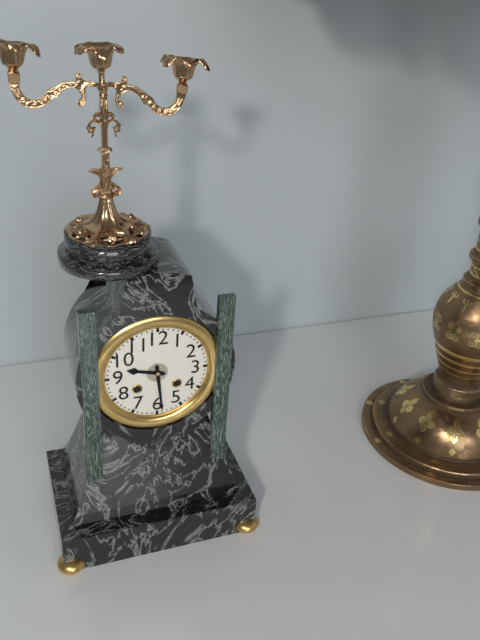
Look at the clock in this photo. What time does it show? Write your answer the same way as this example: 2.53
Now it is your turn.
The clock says 9.29
